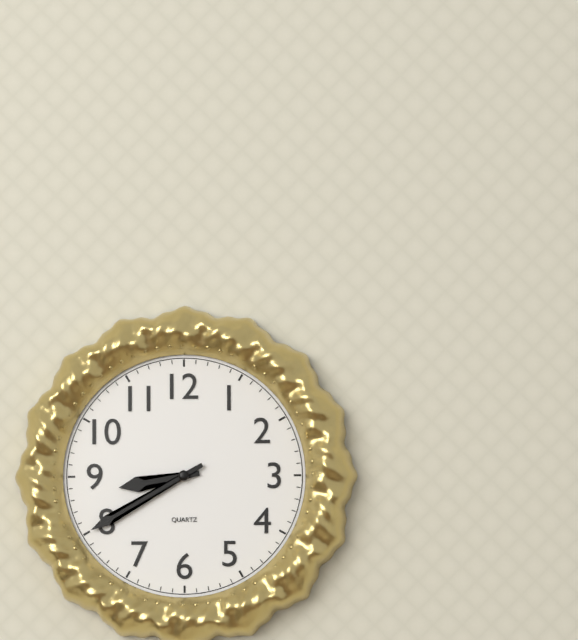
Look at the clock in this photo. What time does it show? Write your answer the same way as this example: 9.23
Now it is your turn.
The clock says 8.40
